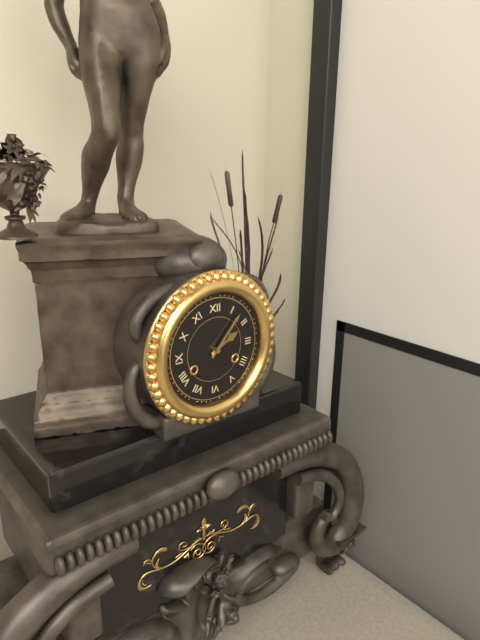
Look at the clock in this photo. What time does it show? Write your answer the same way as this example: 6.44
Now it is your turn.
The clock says 2.07
